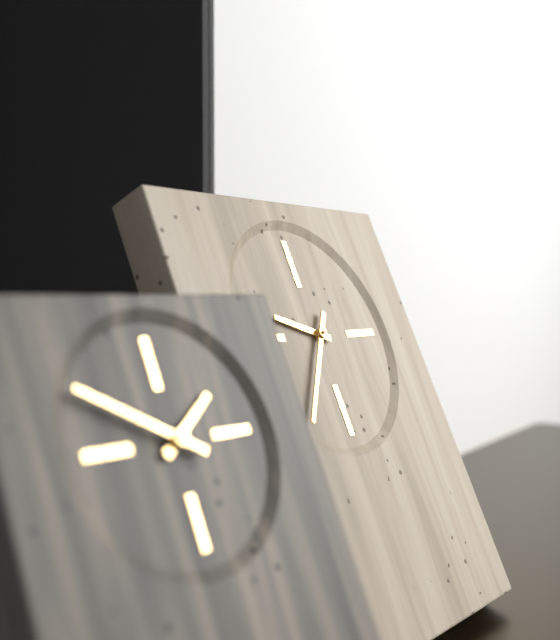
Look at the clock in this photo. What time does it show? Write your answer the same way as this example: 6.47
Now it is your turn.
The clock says 9.36
